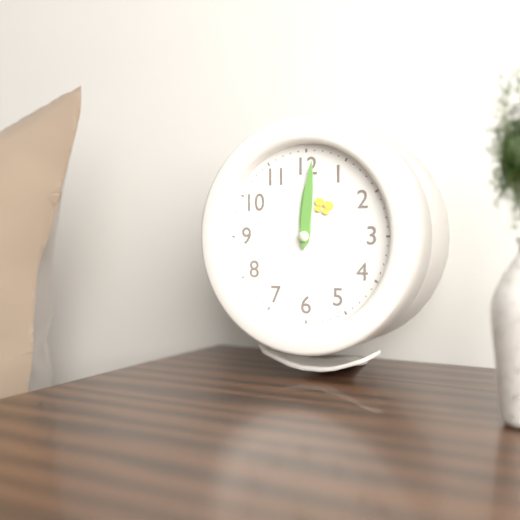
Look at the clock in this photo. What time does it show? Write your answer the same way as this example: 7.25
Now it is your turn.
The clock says 12.01
